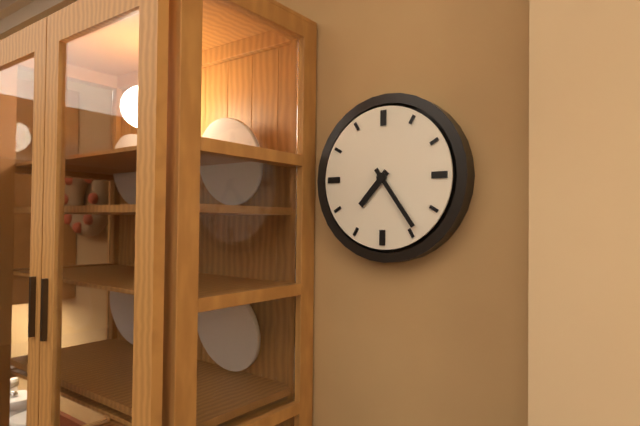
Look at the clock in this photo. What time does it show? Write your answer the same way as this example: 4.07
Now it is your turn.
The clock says 7.24
